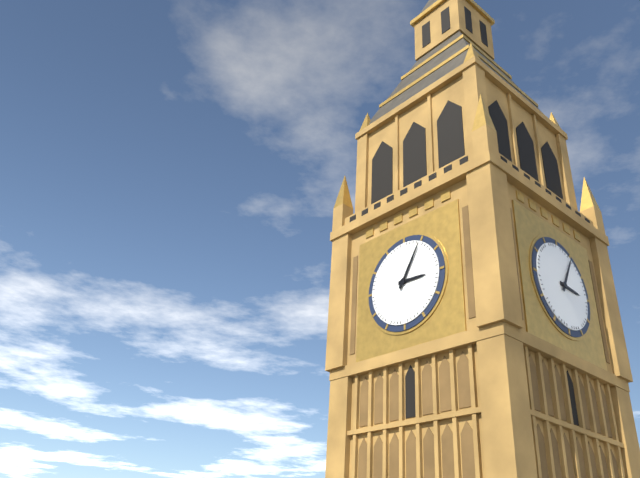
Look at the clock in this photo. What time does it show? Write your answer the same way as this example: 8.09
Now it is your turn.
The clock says 3.05
